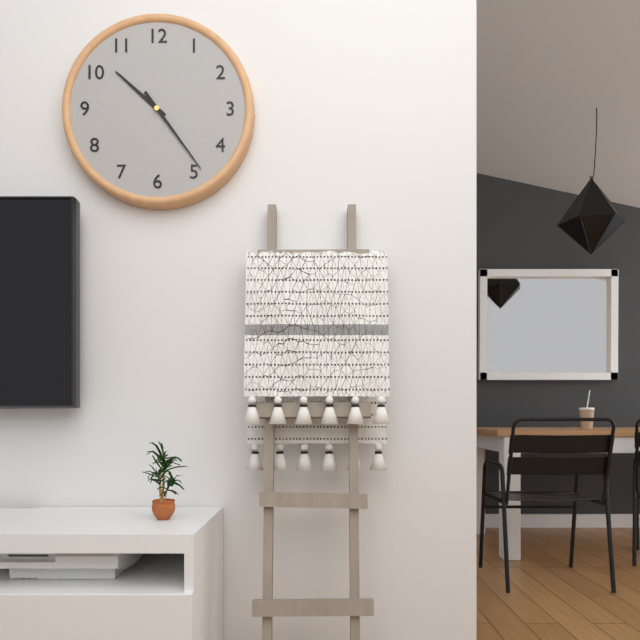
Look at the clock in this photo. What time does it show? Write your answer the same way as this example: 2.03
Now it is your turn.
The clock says 10.24
